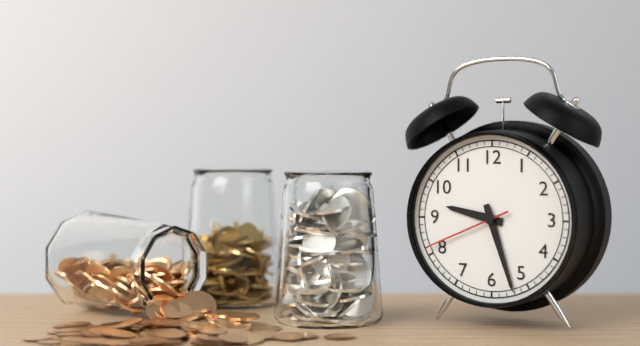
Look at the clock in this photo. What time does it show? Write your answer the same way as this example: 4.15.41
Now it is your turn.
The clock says 9.27.41
